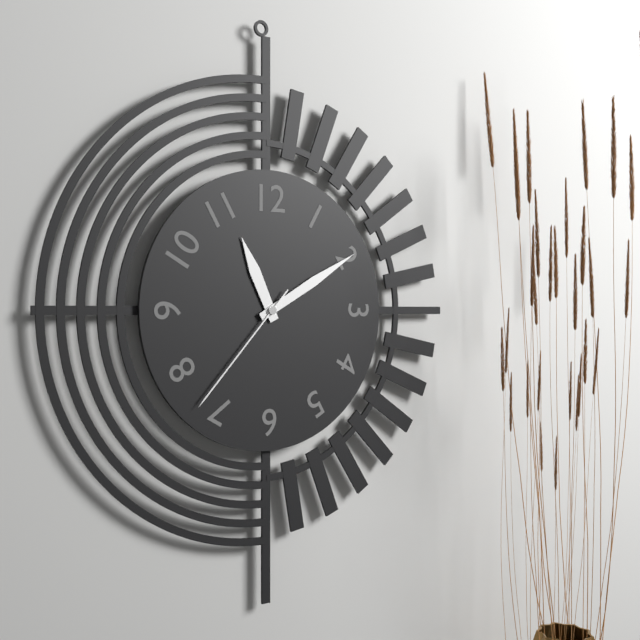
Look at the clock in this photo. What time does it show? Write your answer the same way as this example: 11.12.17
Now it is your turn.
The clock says 11.10.37
